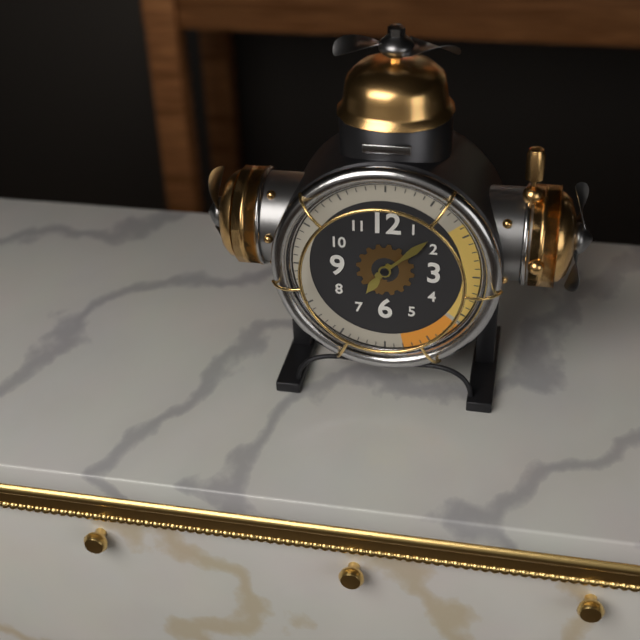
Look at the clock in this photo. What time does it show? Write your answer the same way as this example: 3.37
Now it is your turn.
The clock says 7.08
